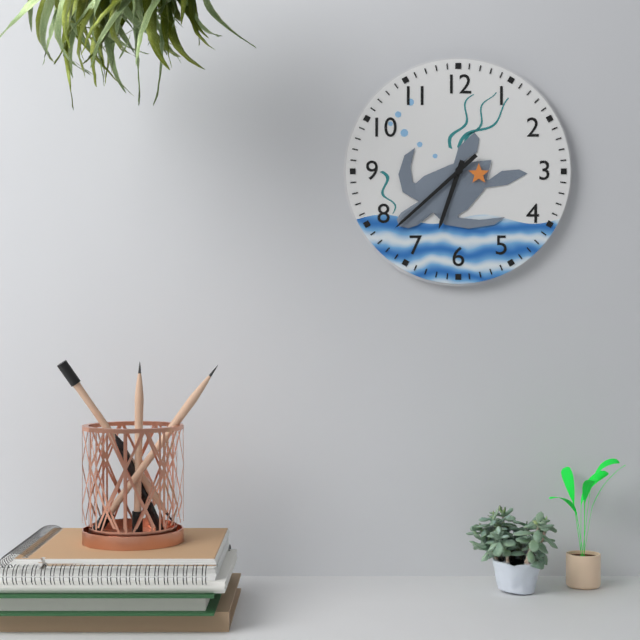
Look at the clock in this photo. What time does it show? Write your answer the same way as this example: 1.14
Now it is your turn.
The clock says 6.38
